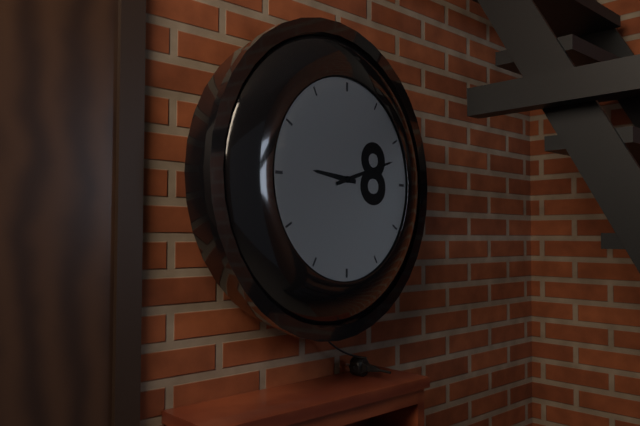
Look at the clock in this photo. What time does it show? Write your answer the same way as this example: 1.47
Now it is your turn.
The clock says 9.12
